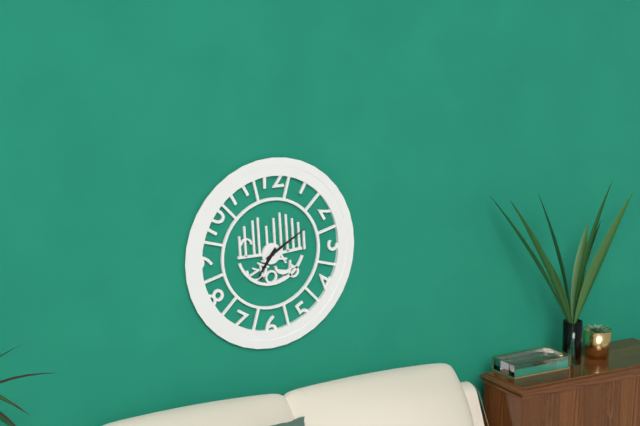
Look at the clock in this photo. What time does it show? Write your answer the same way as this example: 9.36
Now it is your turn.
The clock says 7.10
